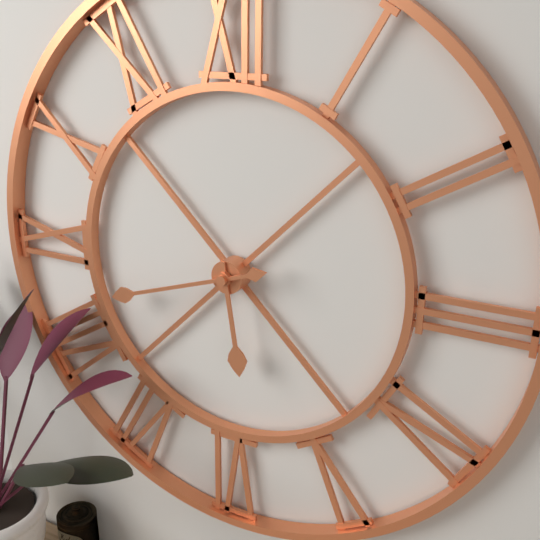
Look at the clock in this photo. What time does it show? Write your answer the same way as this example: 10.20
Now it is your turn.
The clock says 5.42
